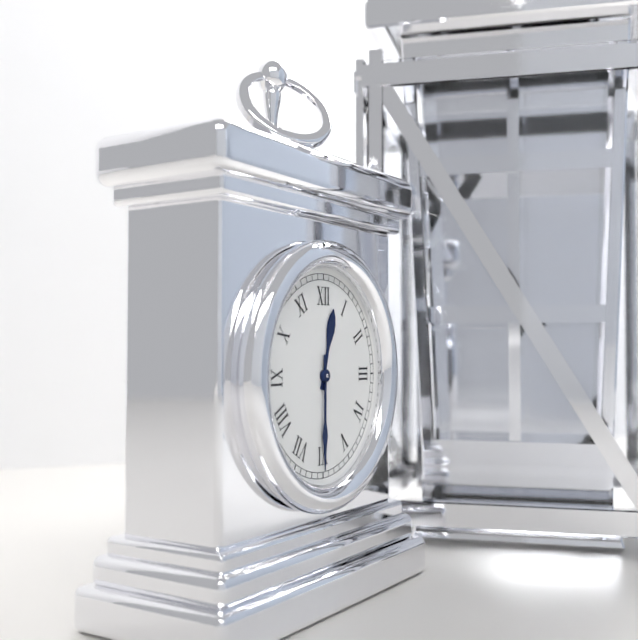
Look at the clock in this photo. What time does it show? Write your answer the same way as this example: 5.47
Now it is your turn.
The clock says 12.30
